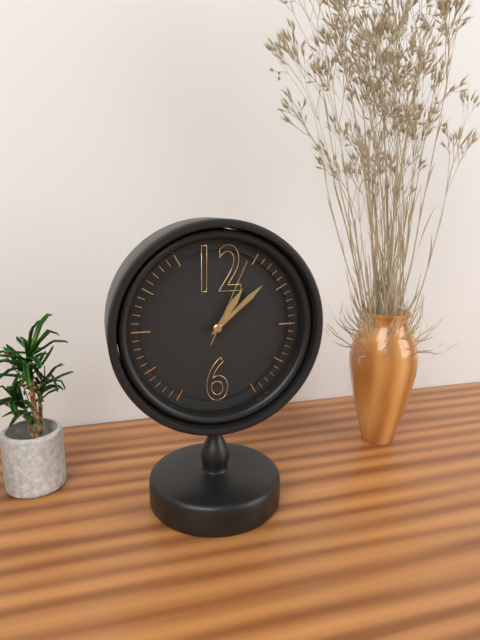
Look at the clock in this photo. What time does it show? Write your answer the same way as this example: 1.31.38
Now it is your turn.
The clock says 1.08.04
